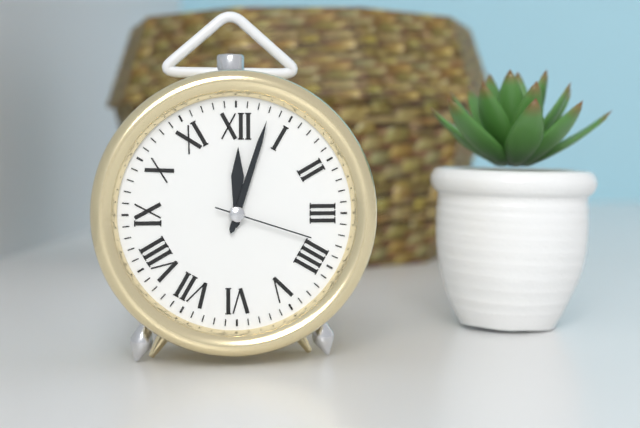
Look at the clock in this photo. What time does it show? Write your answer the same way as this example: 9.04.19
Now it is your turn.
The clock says 12.03.18
